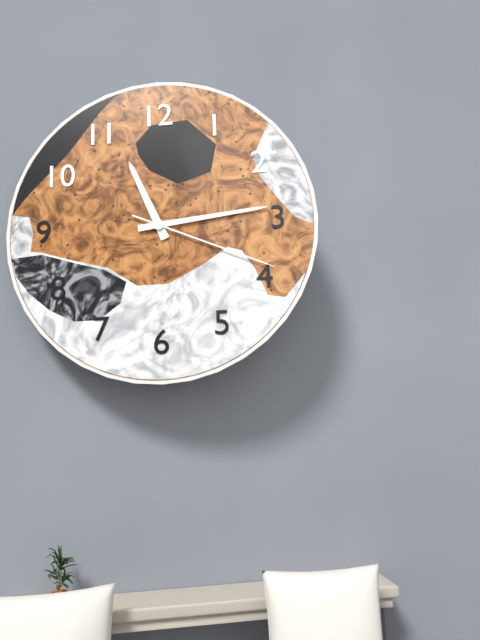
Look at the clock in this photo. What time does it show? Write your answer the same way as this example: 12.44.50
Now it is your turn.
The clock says 11.14.19
